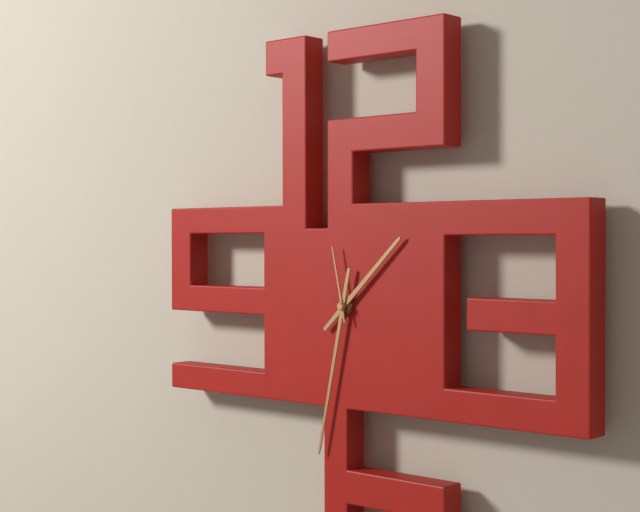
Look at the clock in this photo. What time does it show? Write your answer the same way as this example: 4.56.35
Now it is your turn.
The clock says 1.32.58
